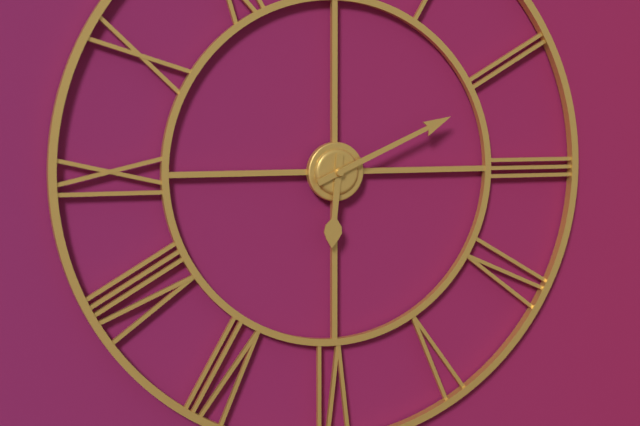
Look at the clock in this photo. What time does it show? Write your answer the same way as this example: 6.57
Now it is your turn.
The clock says 6.11
